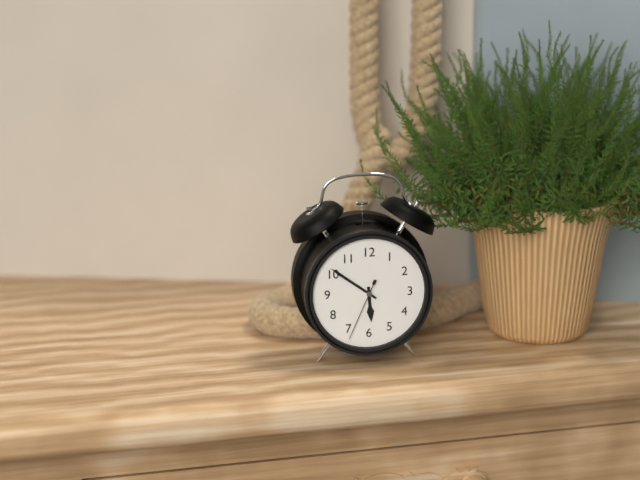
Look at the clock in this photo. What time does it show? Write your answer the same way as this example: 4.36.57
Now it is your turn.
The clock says 5.51.34
